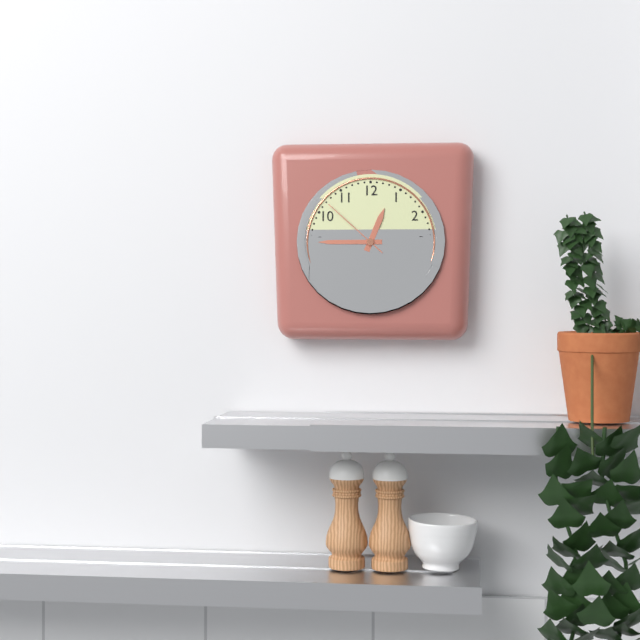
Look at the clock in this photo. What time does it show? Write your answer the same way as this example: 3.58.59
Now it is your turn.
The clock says 12.45.52
